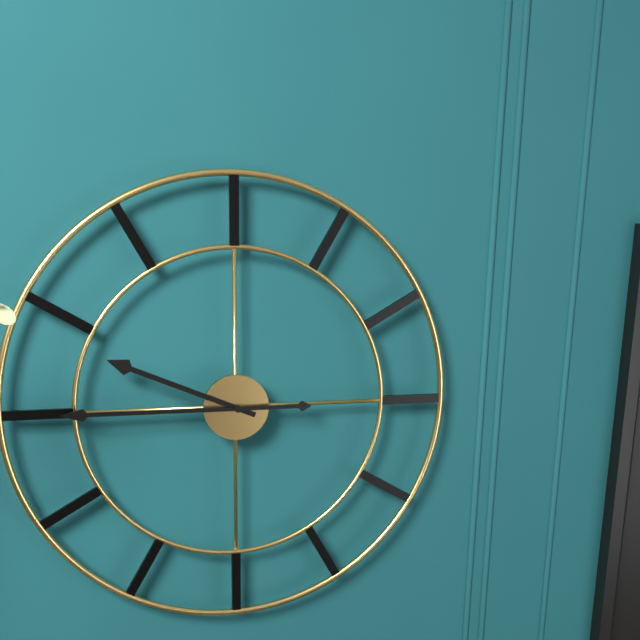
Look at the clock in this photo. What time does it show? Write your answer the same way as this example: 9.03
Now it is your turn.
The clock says 9.45
